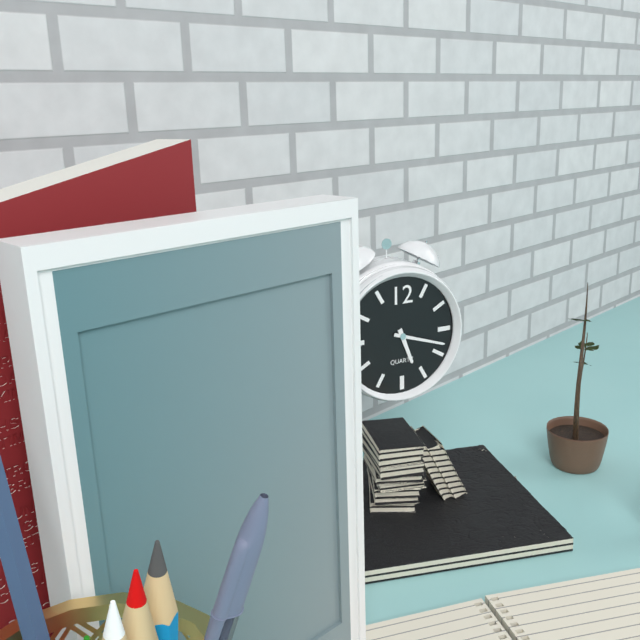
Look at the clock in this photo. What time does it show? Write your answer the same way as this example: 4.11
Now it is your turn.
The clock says 5.18
